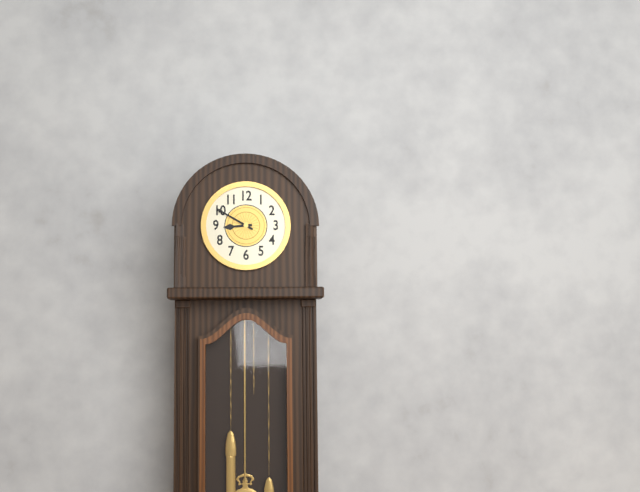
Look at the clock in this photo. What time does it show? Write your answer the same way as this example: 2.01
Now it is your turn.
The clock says 8.50
